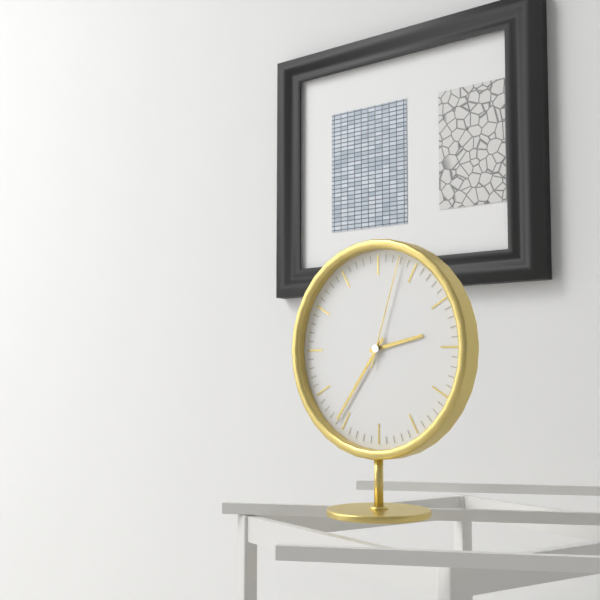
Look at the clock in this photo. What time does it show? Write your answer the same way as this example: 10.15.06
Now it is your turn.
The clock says 2.36.03
